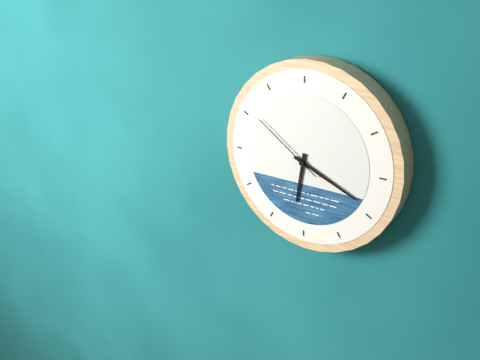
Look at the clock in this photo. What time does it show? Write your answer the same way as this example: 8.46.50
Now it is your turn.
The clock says 6.19.51
